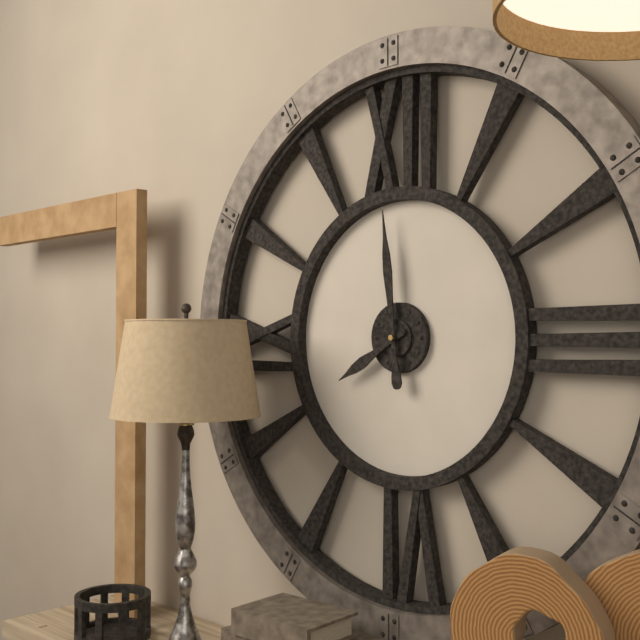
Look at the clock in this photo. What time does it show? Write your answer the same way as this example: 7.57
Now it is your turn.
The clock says 7.59
